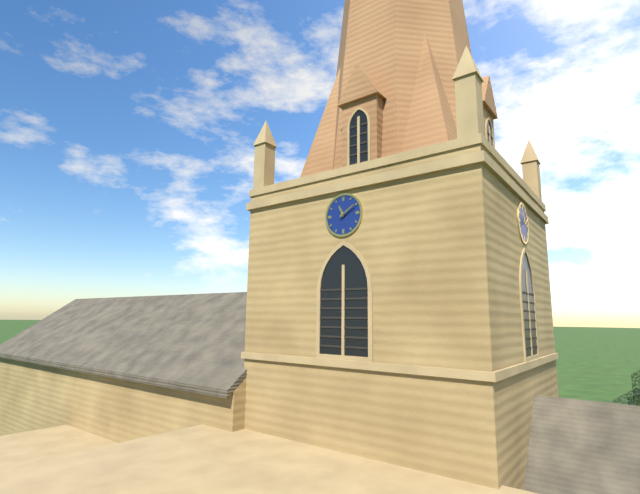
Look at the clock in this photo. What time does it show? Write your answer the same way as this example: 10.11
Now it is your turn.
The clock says 11.10
